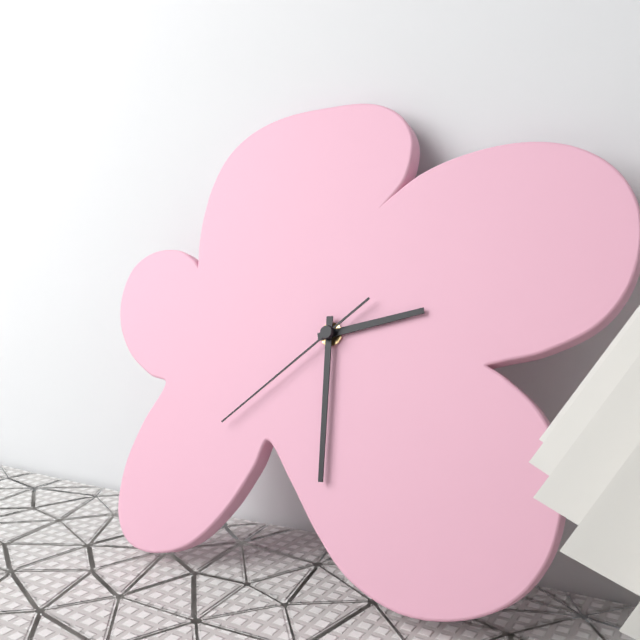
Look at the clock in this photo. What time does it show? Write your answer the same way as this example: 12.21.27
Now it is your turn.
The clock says 2.29.38
